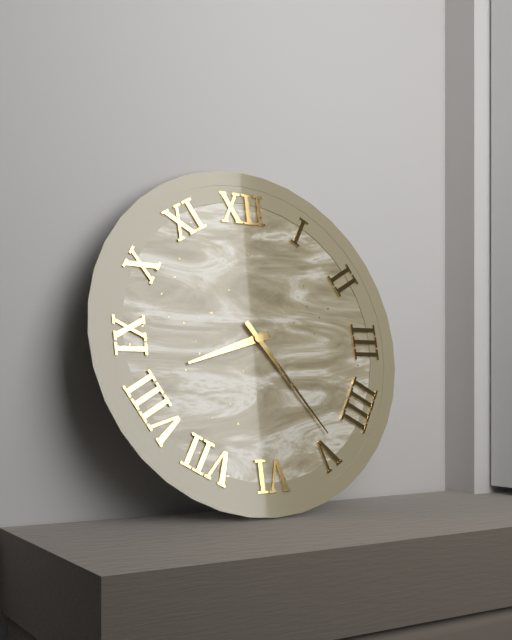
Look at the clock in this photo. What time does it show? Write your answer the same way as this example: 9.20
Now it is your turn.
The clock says 8.24
